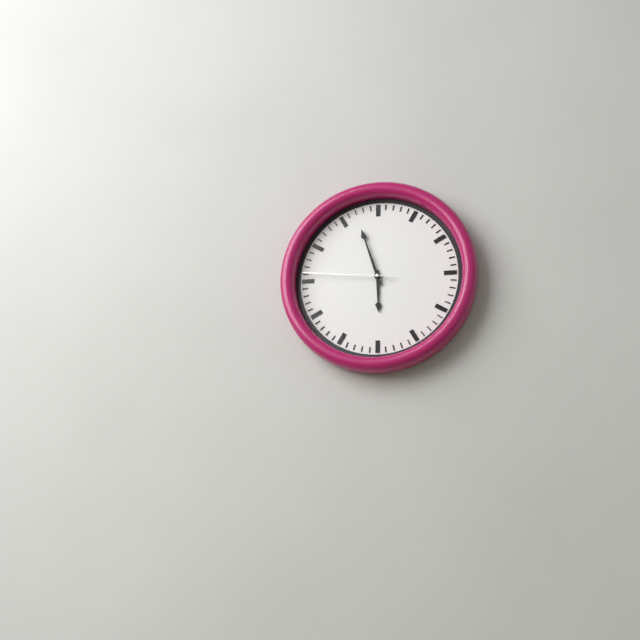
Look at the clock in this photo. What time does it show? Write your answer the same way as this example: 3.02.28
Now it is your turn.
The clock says 5.57.46
